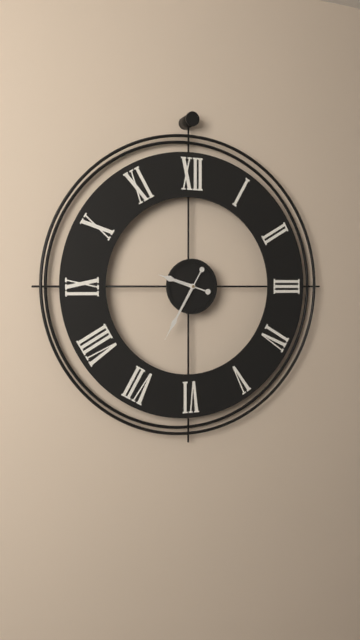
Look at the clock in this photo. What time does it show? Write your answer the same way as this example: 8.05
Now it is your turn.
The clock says 9.35
